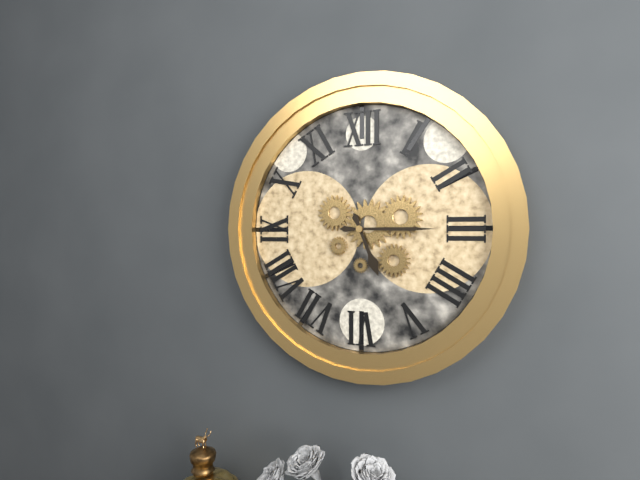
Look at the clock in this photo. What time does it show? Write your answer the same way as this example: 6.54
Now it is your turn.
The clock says 5.15
